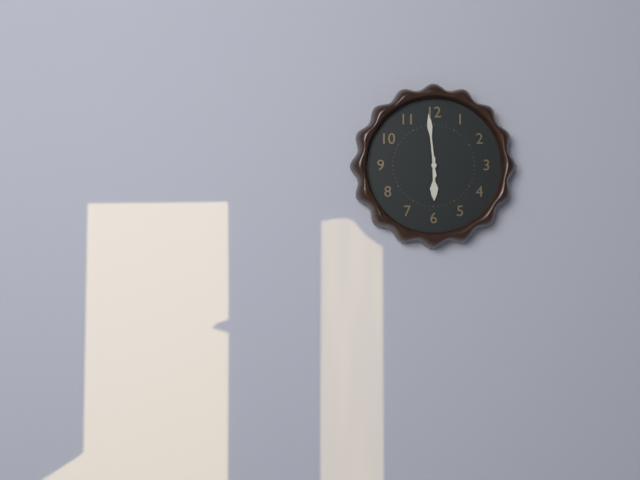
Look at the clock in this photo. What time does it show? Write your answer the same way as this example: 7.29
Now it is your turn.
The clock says 5.59
